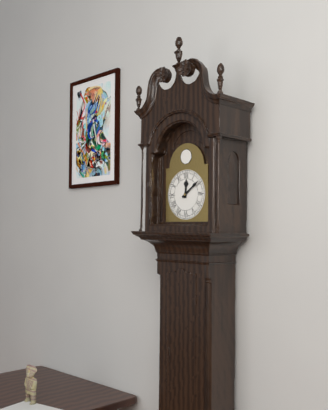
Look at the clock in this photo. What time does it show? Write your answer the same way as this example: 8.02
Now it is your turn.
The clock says 12.09
